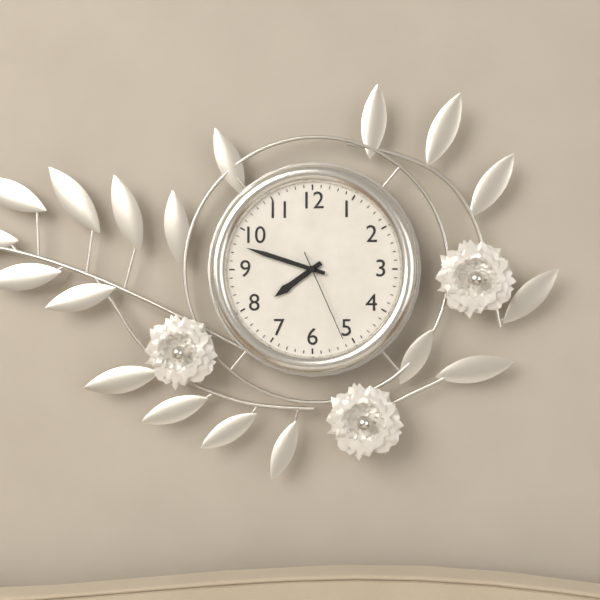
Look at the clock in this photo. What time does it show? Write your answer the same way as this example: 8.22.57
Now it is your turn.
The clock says 7.48.26
